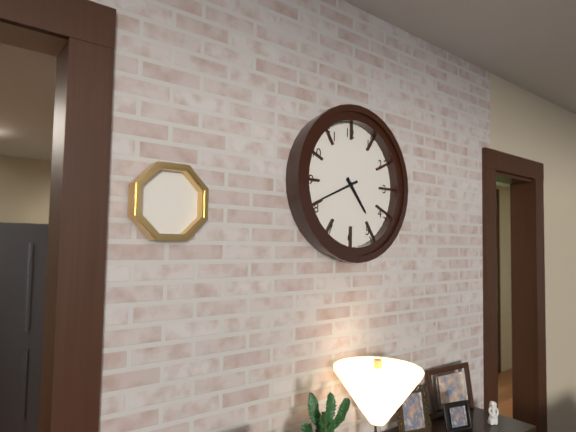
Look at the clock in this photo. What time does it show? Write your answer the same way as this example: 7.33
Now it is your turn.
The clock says 4.41
